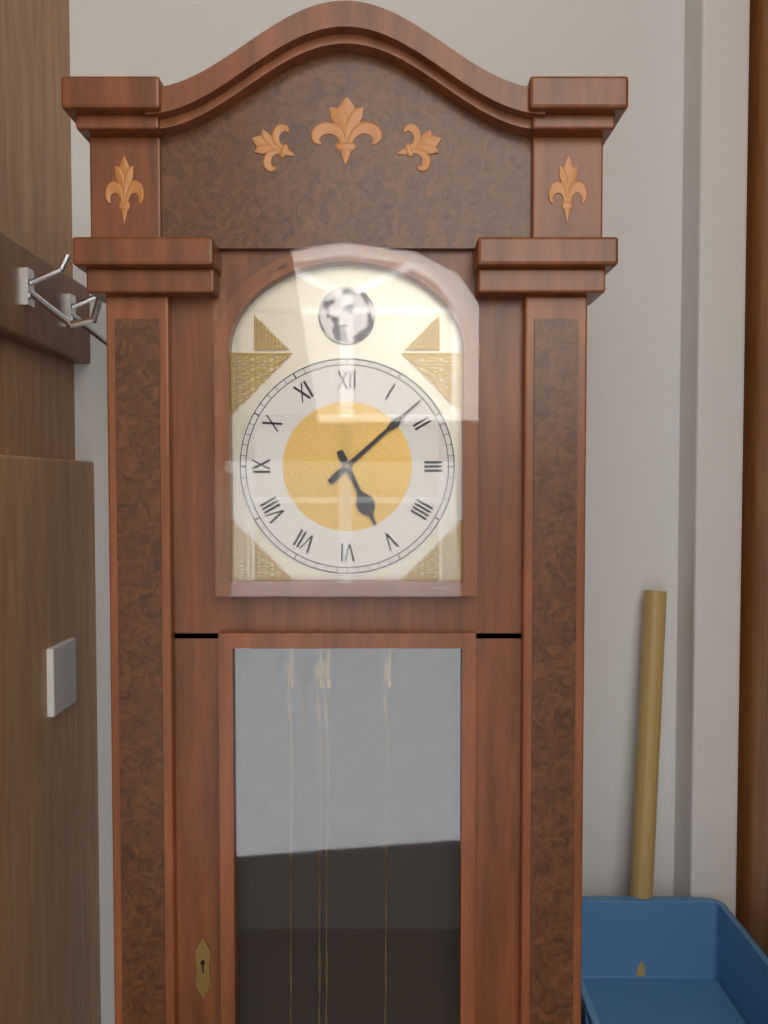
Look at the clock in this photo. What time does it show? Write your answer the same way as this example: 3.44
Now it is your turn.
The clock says 5.08
